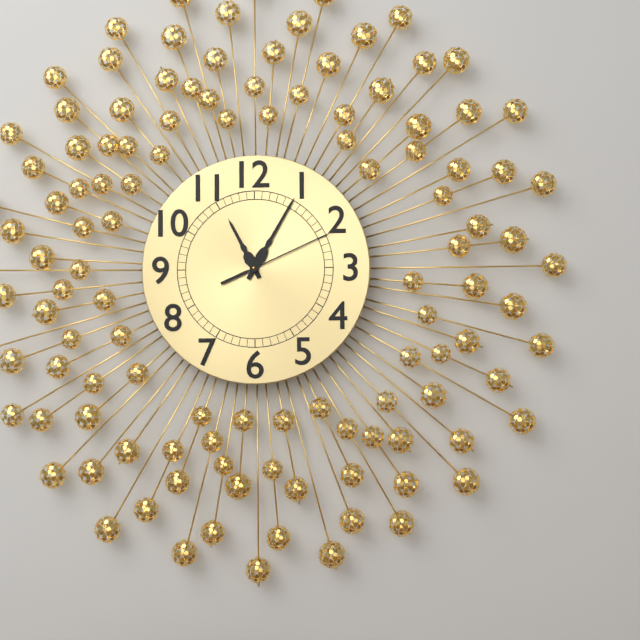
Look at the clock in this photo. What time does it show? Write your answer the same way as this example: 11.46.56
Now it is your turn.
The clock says 11.05.11
